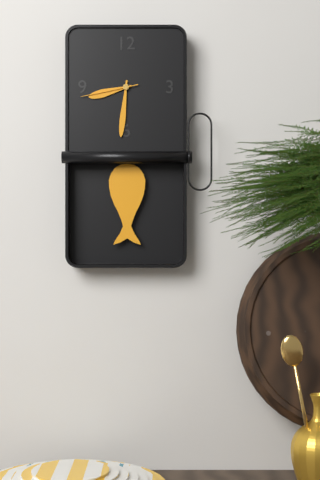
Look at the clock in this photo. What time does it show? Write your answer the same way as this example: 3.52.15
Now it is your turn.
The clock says 8.31.43
